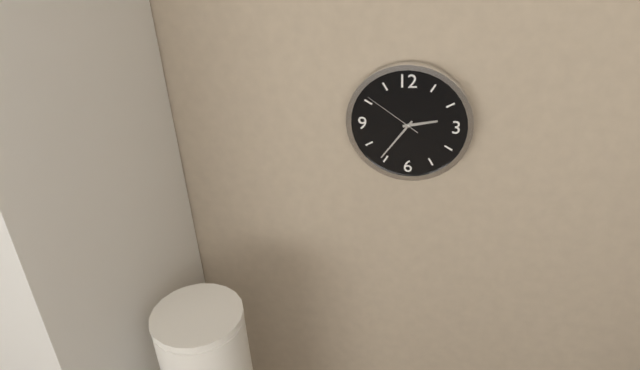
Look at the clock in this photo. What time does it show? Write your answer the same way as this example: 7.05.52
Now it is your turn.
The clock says 2.36.51
